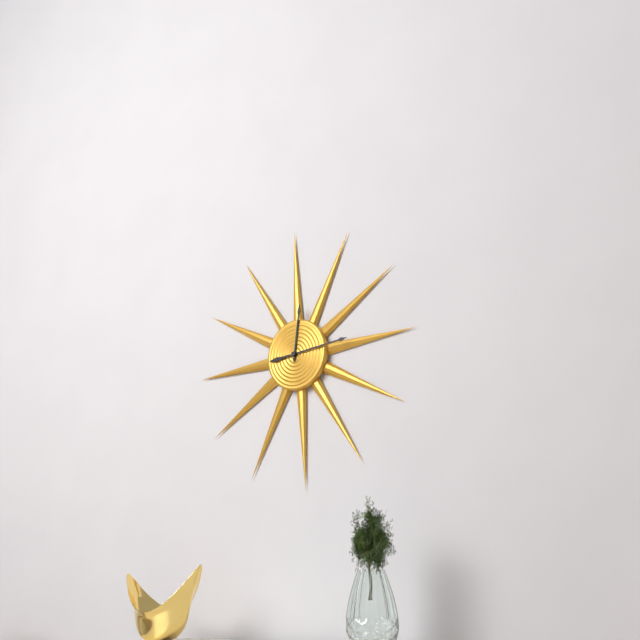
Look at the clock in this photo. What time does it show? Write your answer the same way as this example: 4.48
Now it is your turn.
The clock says 12.14
